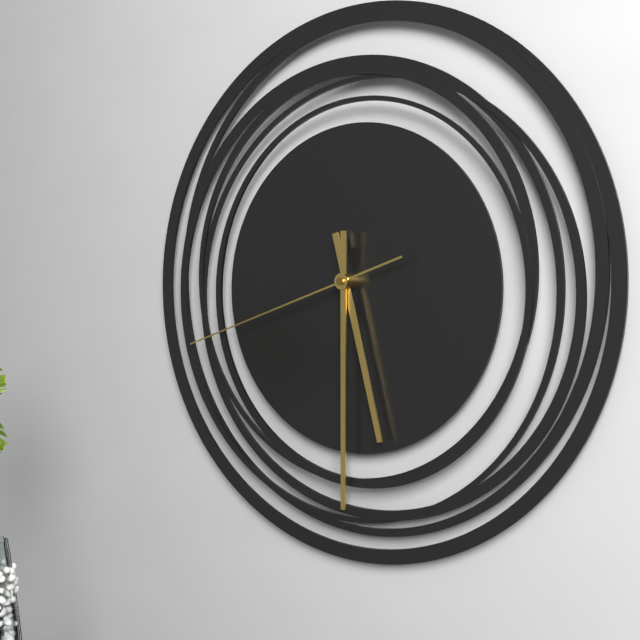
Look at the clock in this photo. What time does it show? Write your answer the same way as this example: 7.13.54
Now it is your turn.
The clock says 5.30.42
